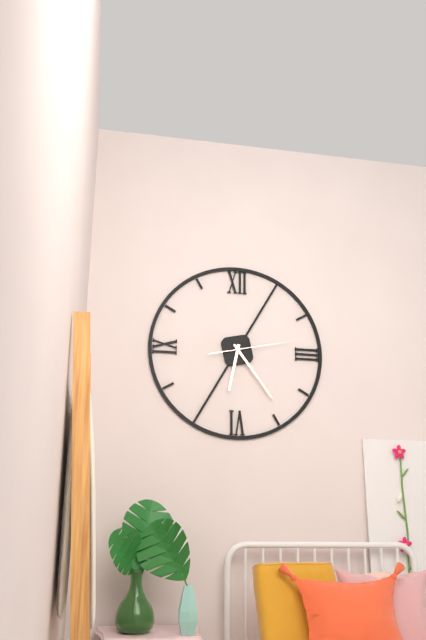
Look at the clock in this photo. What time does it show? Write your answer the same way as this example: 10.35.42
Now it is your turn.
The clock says 6.24.13
